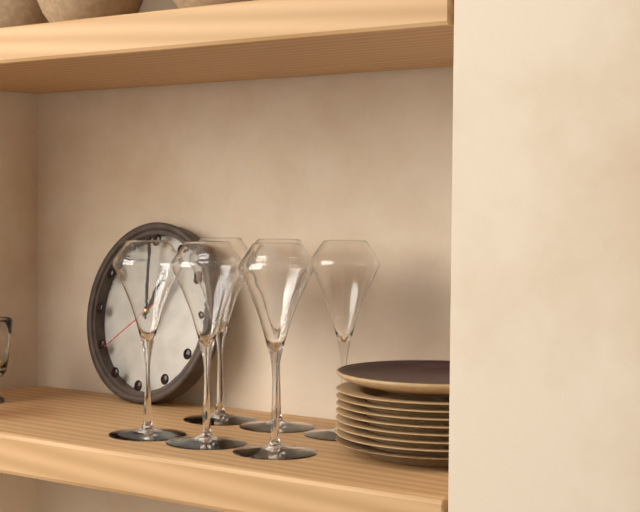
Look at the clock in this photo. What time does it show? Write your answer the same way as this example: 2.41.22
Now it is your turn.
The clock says 12.59.39
